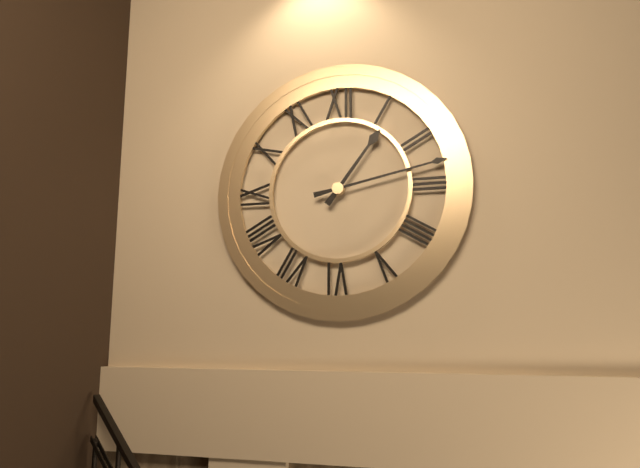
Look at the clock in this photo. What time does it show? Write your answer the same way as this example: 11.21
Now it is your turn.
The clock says 1.13
